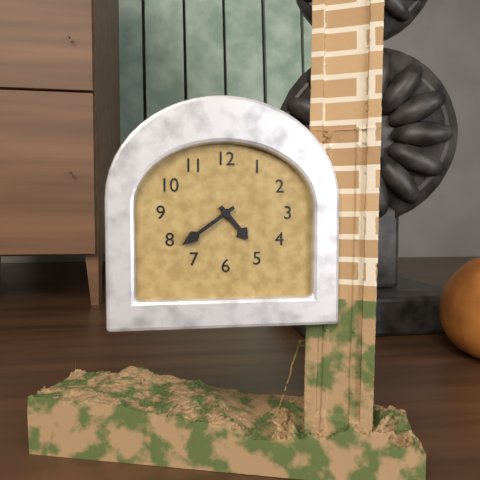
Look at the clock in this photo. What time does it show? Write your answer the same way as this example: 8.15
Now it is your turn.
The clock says 4.39
